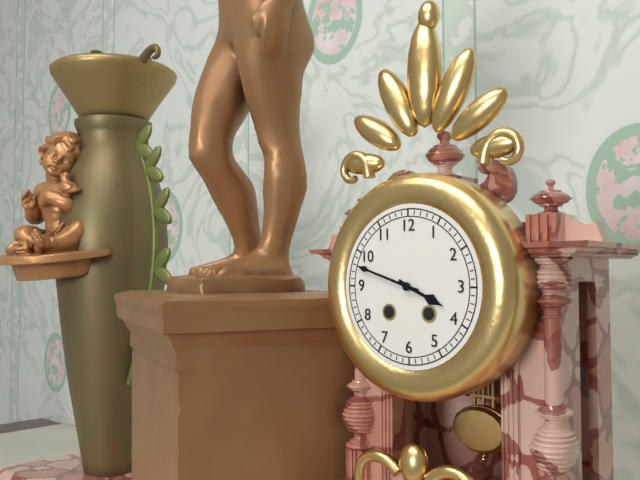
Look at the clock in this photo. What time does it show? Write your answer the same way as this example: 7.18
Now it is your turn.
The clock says 3.48
